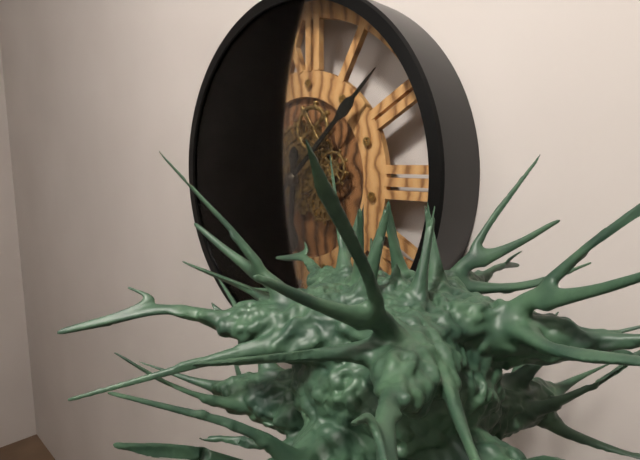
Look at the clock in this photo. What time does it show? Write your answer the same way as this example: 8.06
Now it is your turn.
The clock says 6.08
